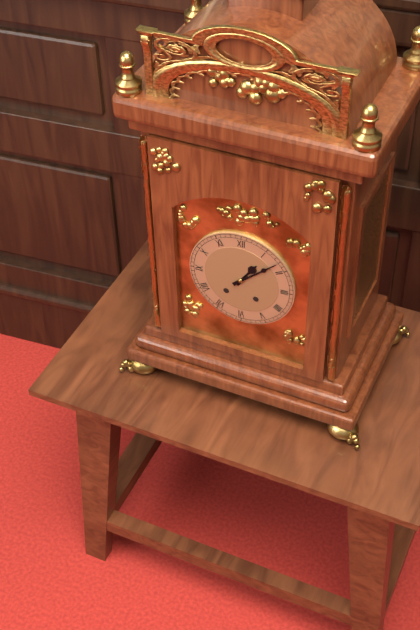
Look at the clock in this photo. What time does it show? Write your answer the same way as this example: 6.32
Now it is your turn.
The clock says 1.08
